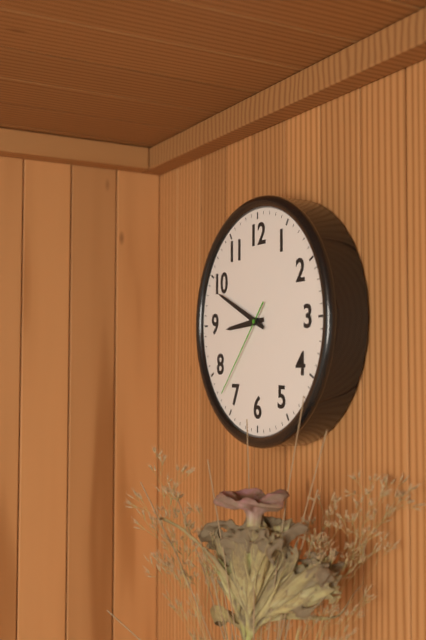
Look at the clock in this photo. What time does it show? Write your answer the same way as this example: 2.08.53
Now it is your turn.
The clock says 8.49.37
